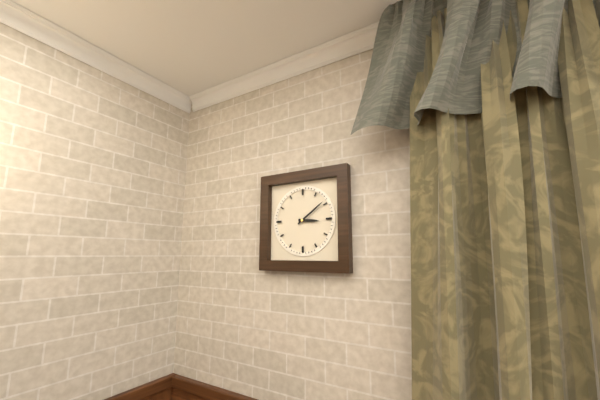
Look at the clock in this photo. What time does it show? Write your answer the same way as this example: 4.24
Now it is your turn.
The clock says 3.09
